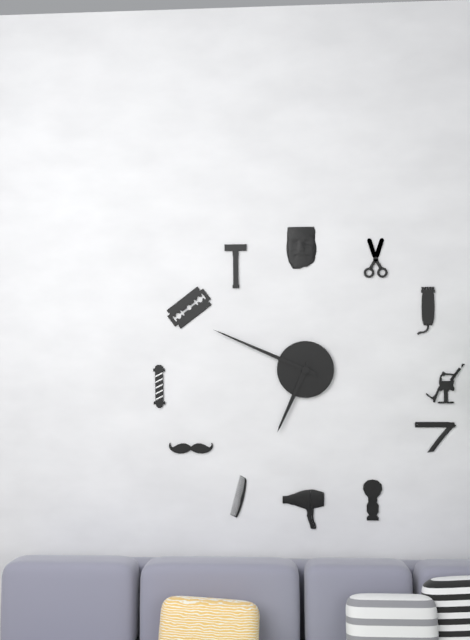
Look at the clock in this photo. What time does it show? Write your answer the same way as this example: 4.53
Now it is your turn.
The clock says 6.49
